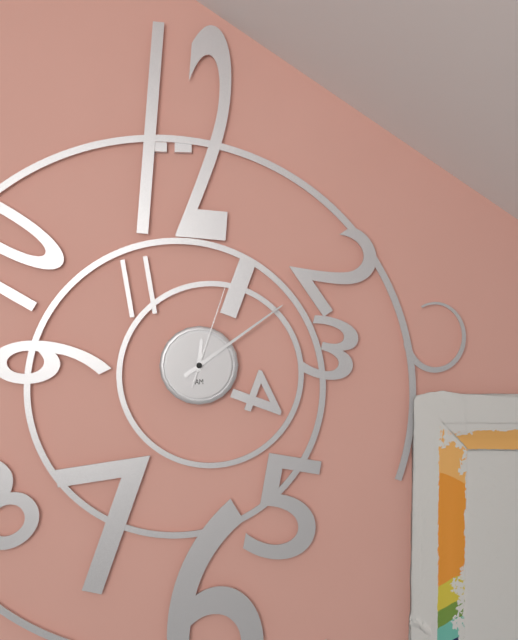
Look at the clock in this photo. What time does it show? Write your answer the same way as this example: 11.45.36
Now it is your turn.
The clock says 12.09.03
